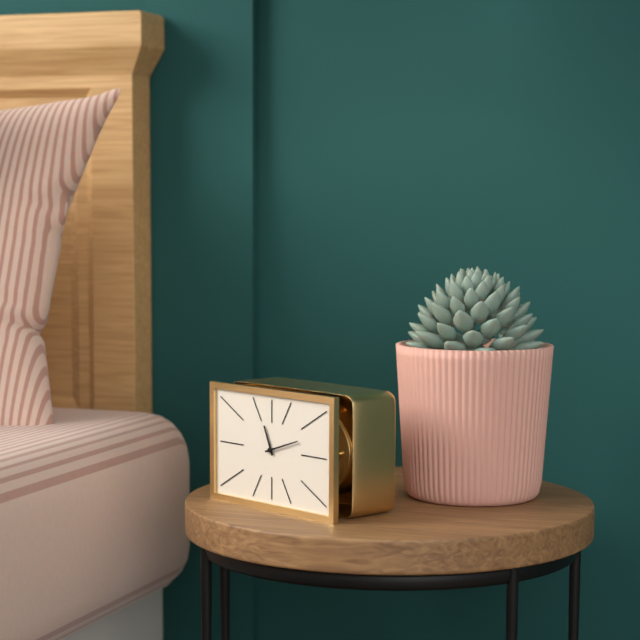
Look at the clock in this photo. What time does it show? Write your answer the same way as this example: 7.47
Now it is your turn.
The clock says 11.12
